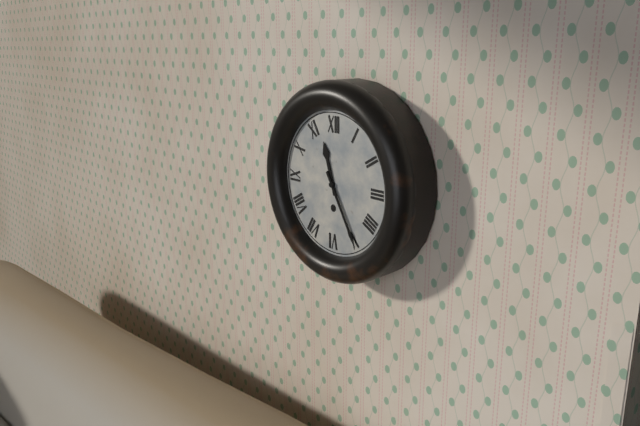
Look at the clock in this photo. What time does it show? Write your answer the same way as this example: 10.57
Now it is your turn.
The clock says 11.25
